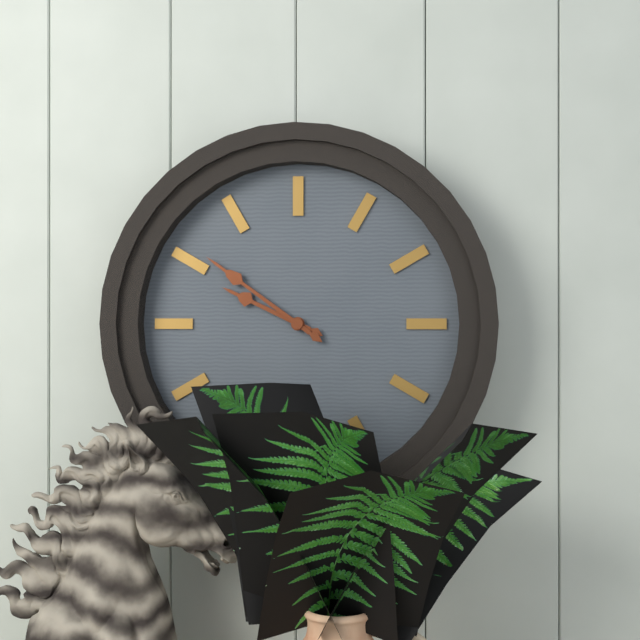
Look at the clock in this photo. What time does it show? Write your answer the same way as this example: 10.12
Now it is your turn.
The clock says 9.51
